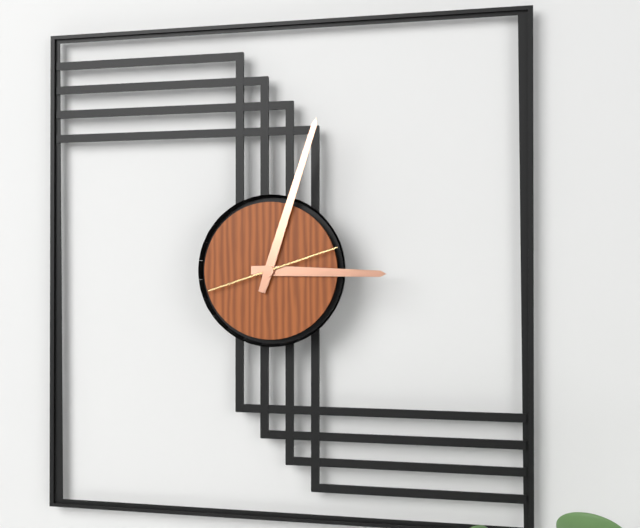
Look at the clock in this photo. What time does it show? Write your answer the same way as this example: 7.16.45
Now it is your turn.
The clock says 3.03.12
